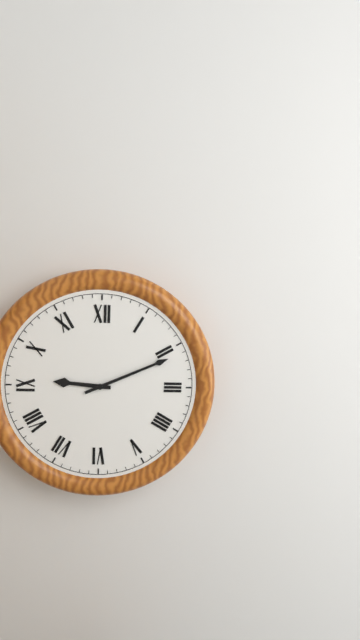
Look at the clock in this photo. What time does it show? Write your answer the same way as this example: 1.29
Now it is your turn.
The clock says 9.11
